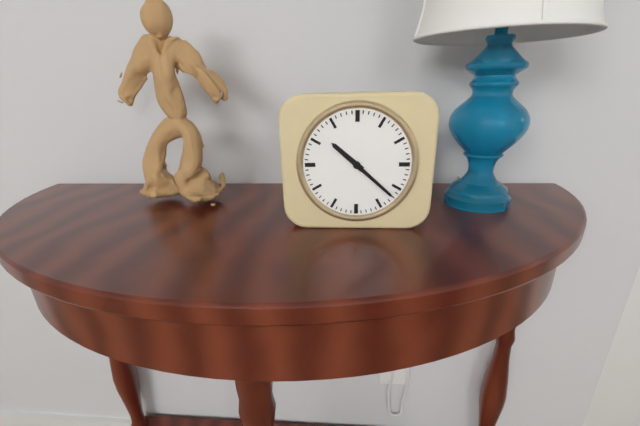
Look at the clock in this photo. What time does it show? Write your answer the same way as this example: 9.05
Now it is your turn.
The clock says 10.22
